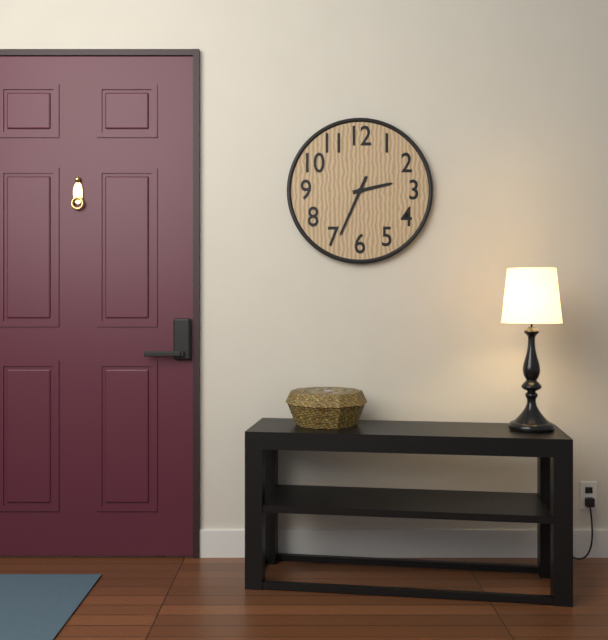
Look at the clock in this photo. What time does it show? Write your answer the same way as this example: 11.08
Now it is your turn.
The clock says 2.34
